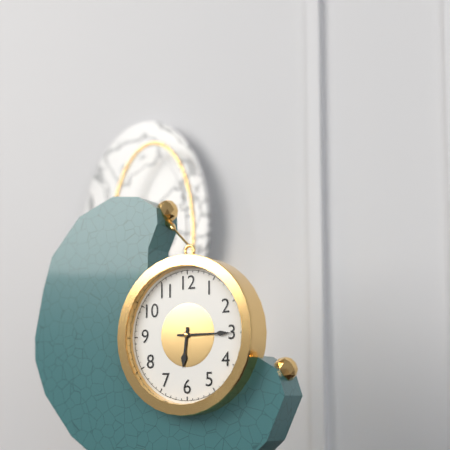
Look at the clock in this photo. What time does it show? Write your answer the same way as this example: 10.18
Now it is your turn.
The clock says 6.15
